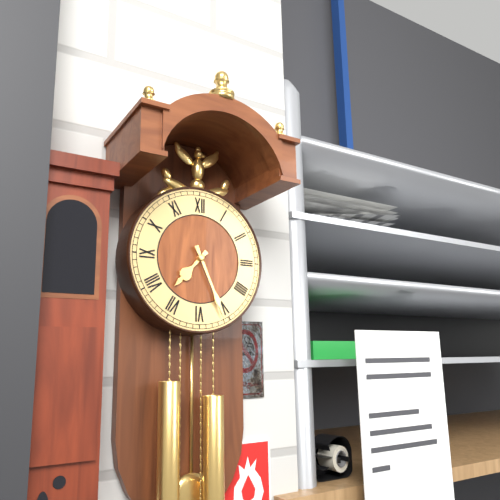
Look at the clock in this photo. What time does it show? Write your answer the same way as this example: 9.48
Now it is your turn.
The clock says 7.26
